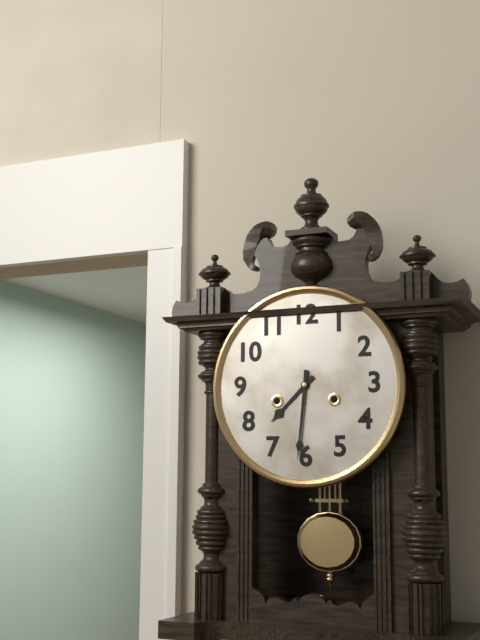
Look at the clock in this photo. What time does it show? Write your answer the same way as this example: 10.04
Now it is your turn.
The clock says 7.31
